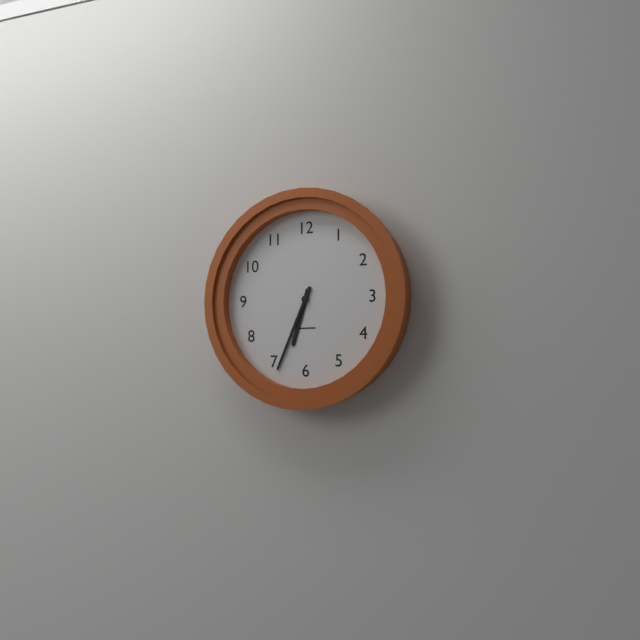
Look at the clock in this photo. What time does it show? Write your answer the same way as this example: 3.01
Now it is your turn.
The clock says 6.34
